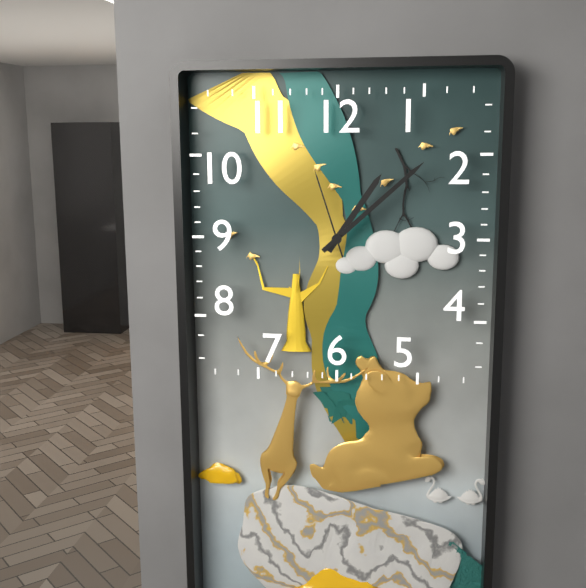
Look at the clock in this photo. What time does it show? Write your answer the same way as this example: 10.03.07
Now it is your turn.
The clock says 1.08.57
